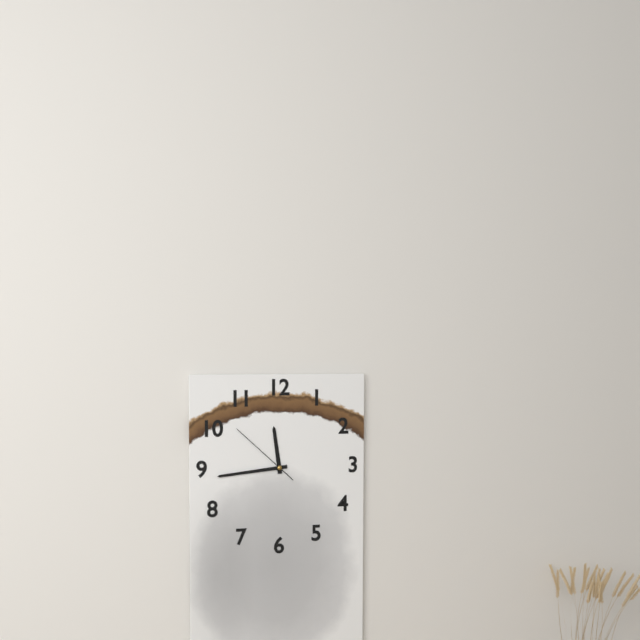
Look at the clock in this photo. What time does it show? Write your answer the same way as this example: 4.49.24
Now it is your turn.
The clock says 11.44.52
